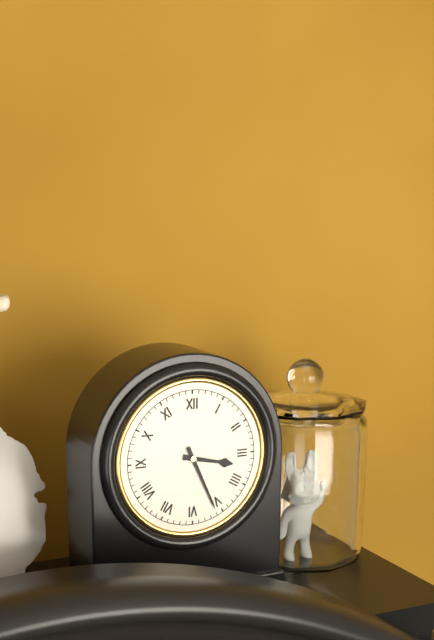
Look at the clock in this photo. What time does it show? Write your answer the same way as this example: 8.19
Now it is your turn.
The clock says 3.26
